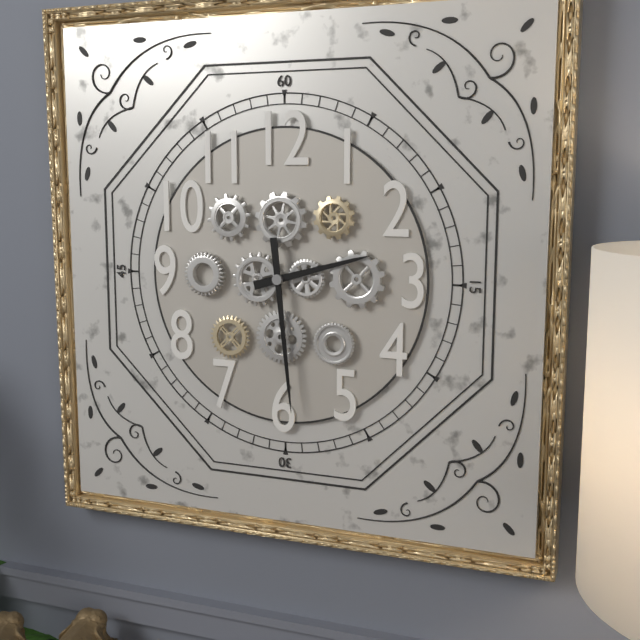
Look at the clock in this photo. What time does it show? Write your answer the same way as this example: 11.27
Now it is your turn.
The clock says 2.29
